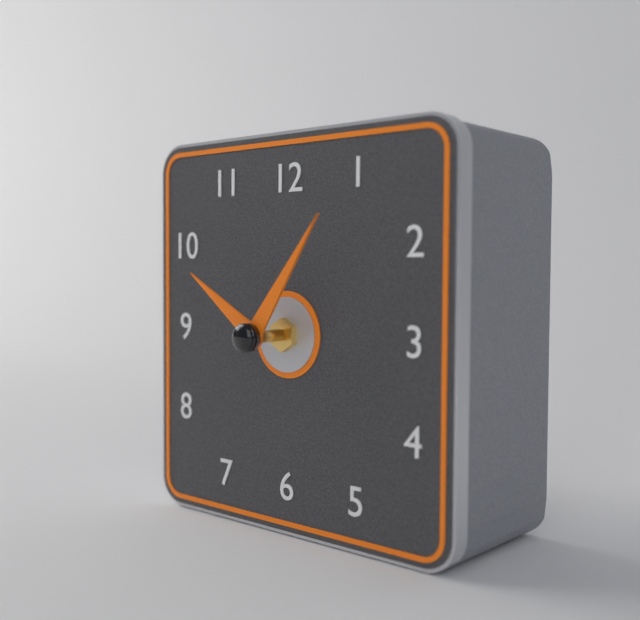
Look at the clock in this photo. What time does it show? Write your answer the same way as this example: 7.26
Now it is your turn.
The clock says 10.06
